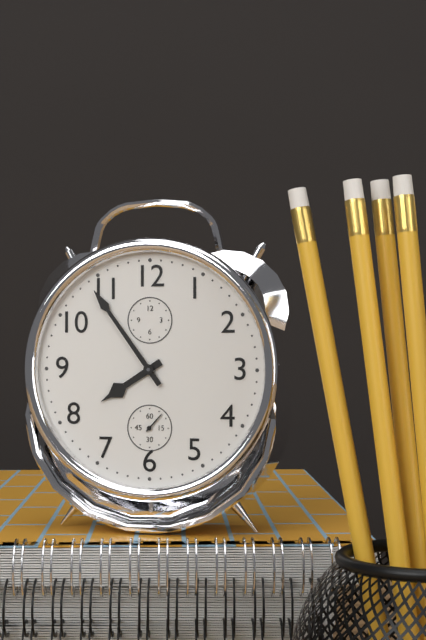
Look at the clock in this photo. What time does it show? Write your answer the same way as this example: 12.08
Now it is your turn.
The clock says 7.54
